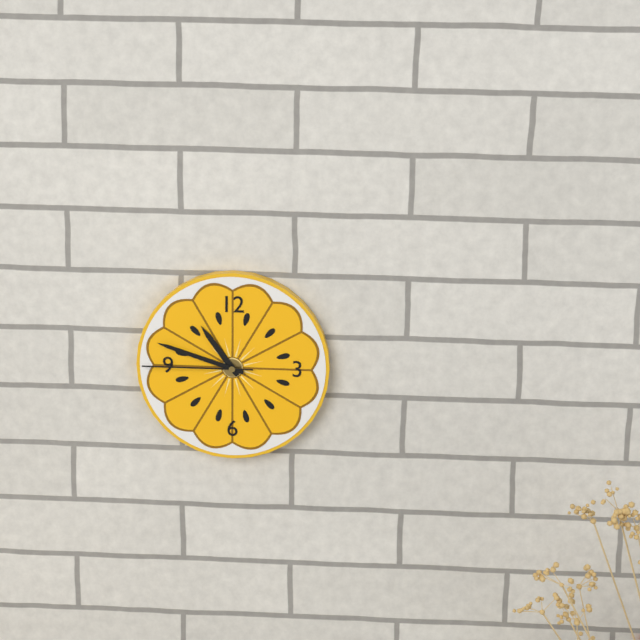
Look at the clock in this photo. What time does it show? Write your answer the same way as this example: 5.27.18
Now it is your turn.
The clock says 10.48.45
